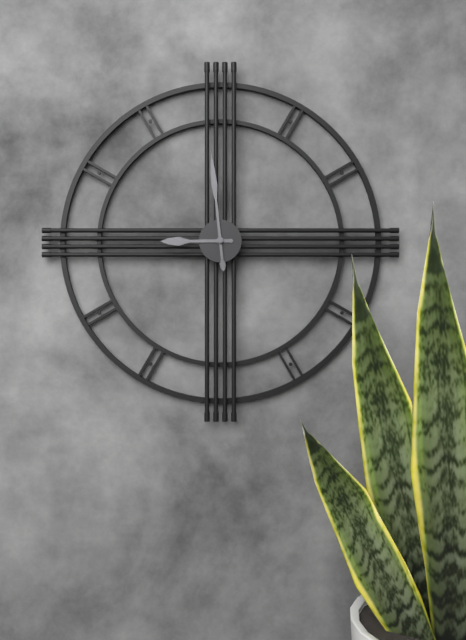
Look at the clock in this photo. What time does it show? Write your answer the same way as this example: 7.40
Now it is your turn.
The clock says 8.59
